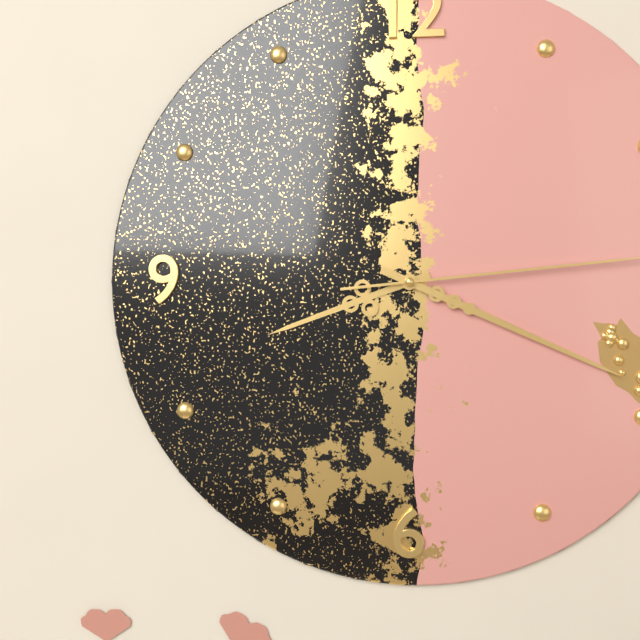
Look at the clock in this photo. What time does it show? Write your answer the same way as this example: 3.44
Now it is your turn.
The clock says 8.19
